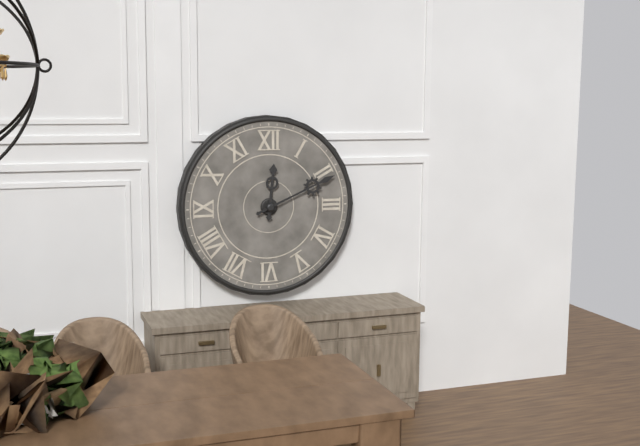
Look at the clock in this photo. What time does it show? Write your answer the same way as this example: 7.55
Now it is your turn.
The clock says 12.11
